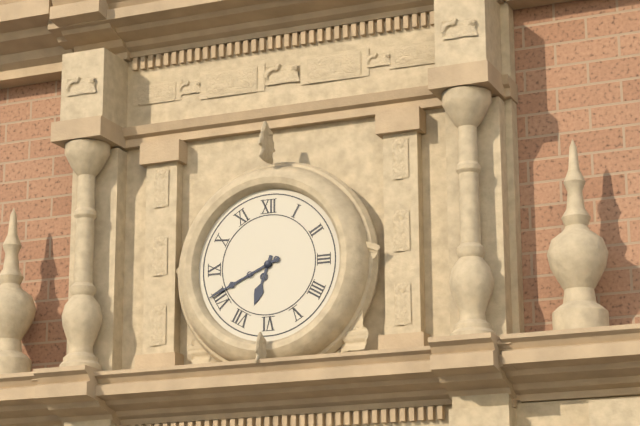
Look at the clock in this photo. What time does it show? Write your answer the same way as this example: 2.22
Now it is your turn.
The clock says 6.41
